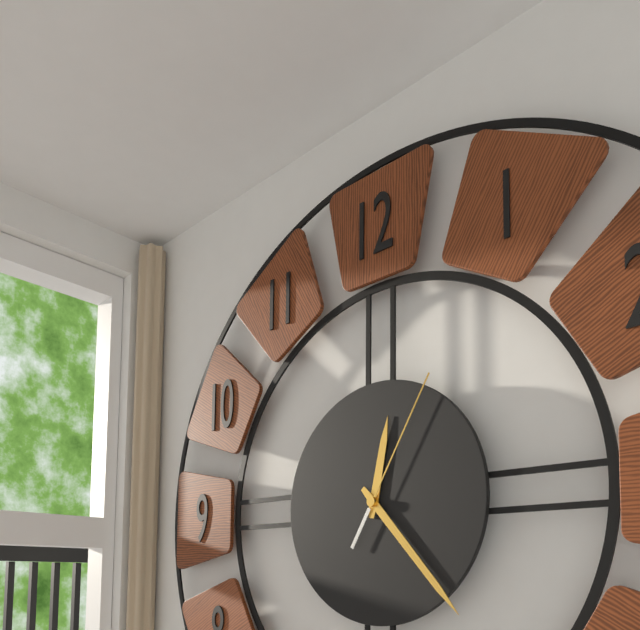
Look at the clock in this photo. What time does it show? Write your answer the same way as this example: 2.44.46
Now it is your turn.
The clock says 12.23.05
